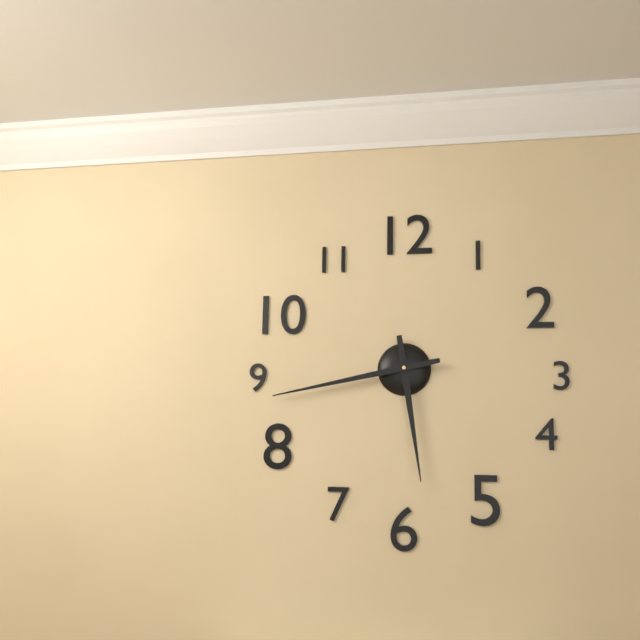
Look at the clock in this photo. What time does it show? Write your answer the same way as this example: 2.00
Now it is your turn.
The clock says 5.43
